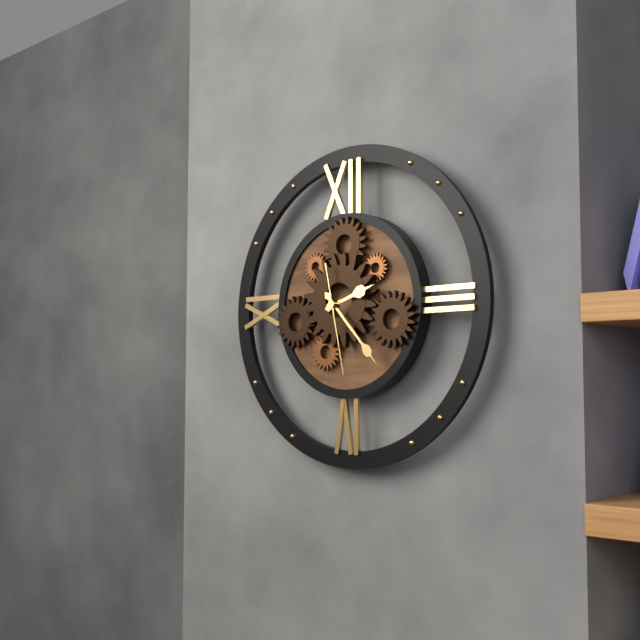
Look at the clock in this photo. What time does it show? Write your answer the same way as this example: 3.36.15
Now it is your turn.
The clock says 2.23.28
